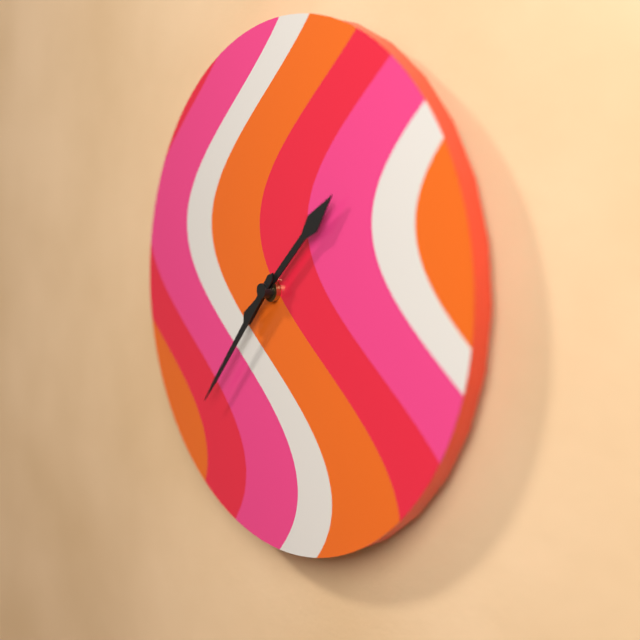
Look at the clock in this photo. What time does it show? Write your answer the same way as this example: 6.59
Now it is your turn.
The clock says 1.37
